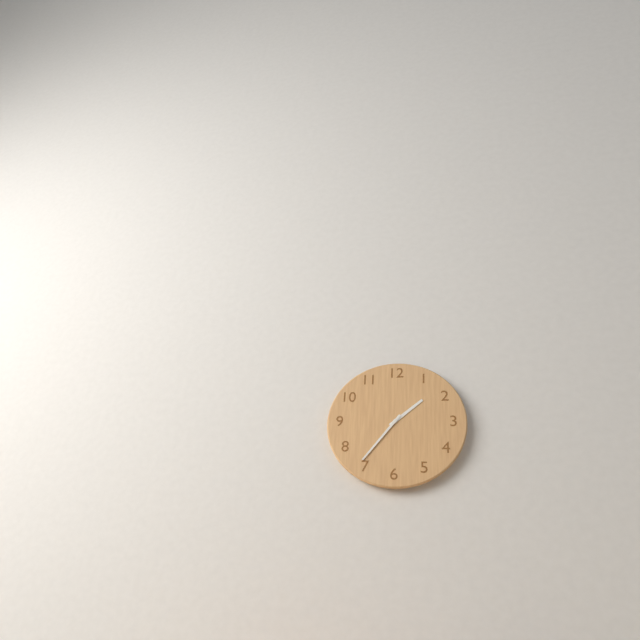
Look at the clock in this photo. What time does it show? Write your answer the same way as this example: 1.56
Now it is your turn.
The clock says 1.36
